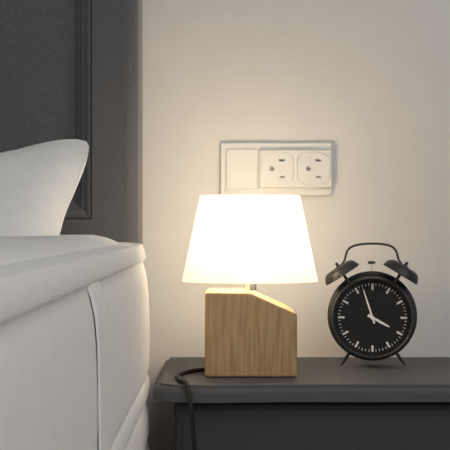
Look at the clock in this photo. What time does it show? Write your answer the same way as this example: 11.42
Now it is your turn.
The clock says 3.57
